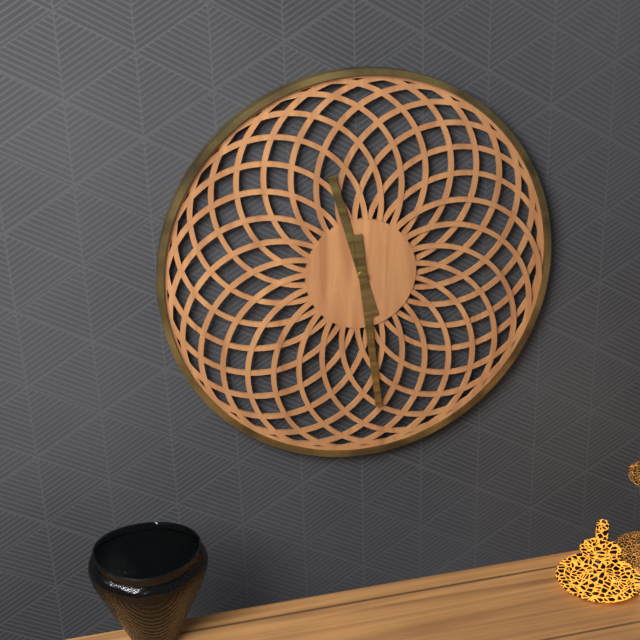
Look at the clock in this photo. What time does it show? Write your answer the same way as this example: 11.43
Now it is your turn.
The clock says 11.29
